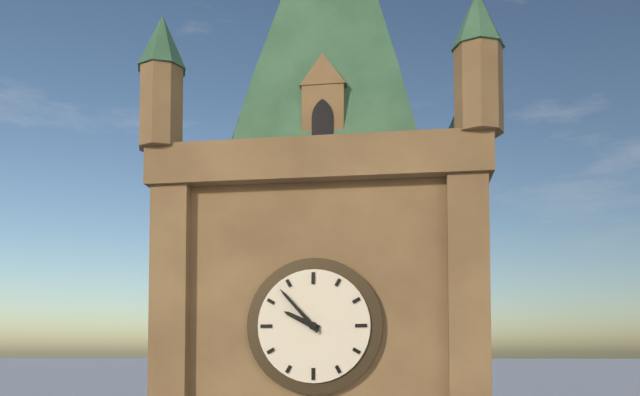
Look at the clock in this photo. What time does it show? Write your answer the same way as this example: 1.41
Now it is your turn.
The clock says 9.53
